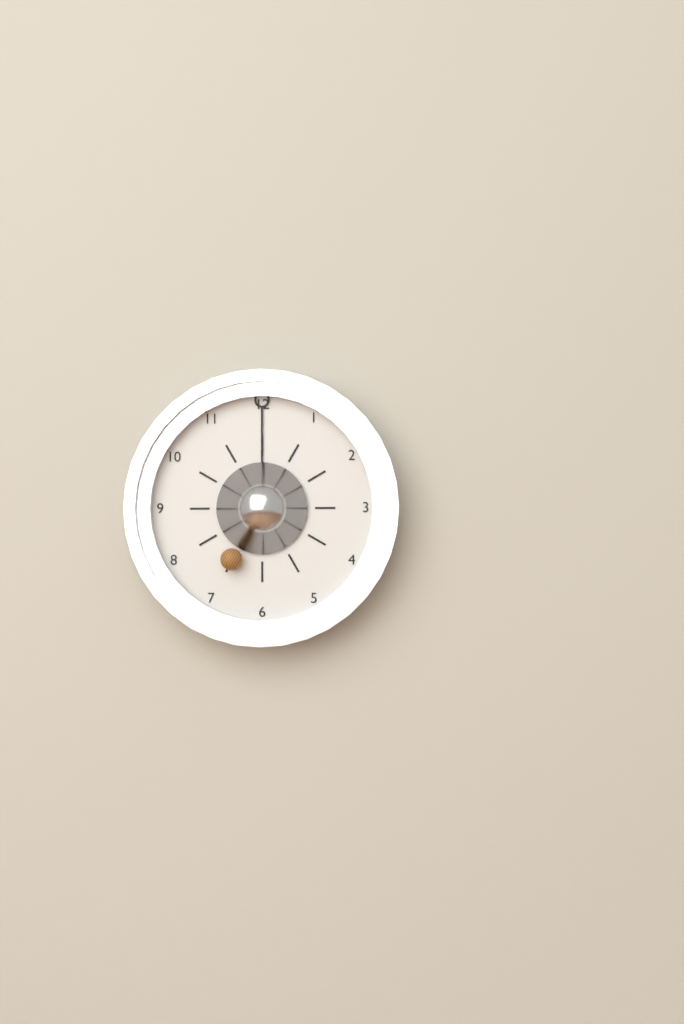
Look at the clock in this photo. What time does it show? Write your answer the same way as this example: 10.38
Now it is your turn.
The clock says 7.00
